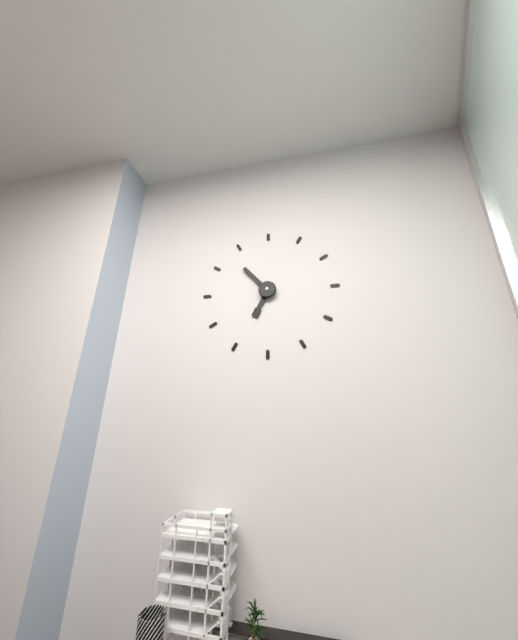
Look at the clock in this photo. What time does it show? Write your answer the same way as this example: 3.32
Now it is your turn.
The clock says 6.53
